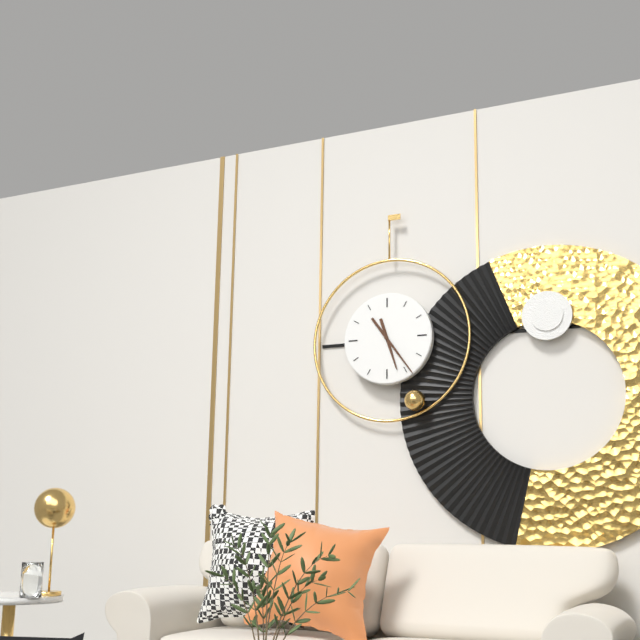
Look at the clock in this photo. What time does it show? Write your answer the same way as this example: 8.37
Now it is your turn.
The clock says 5.24
